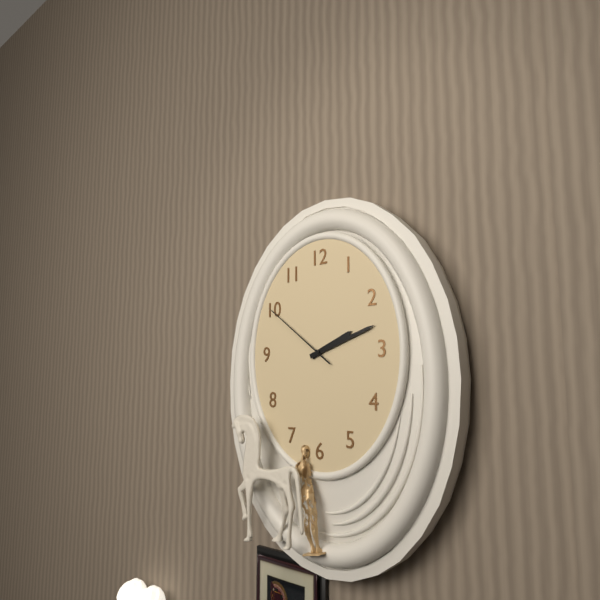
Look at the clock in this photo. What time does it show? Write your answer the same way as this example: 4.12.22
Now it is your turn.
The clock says 2.12.51
